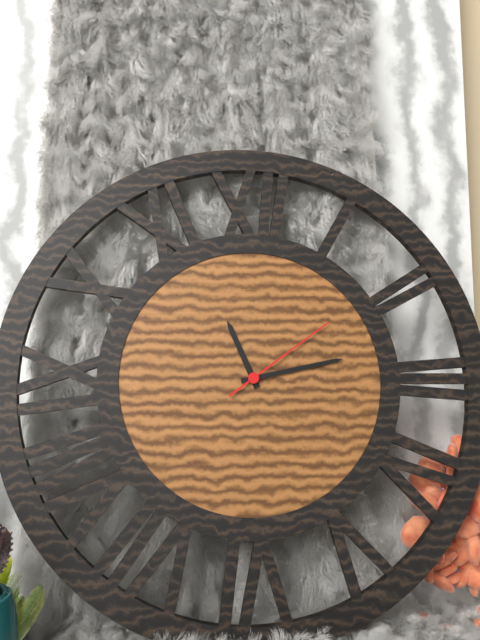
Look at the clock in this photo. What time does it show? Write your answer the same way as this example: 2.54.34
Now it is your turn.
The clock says 11.13.09
